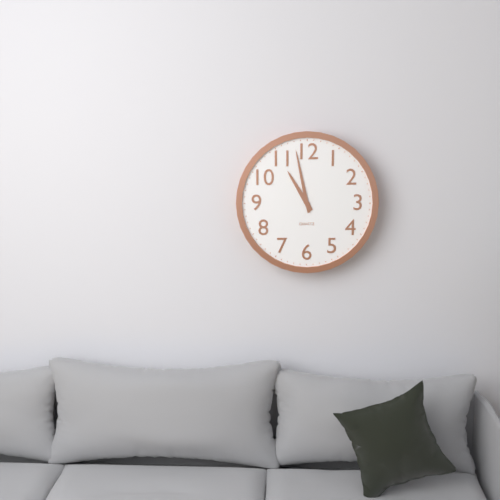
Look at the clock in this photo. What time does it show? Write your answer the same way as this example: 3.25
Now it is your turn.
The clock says 10.58
